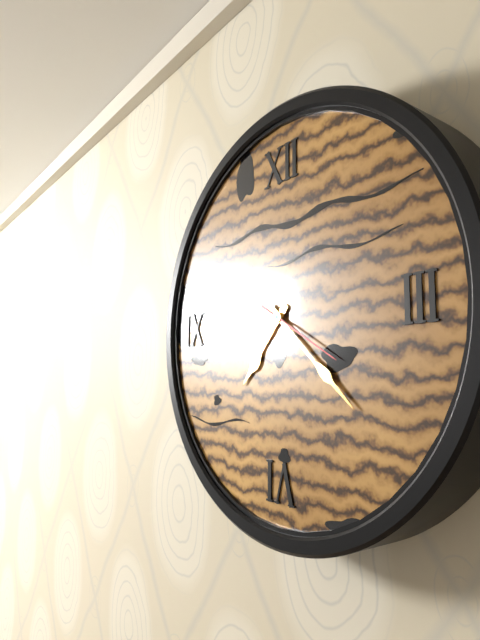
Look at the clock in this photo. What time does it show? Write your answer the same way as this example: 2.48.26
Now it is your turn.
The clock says 7.22.20
